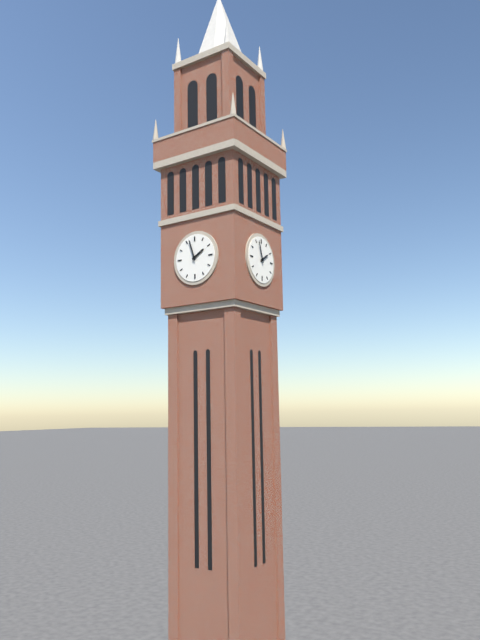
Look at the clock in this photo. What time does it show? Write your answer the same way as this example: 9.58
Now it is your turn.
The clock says 1.57
